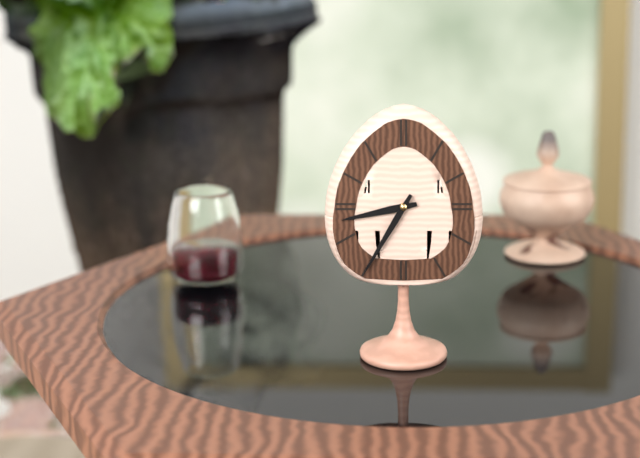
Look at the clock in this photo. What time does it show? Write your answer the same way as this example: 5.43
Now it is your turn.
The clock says 8.35
